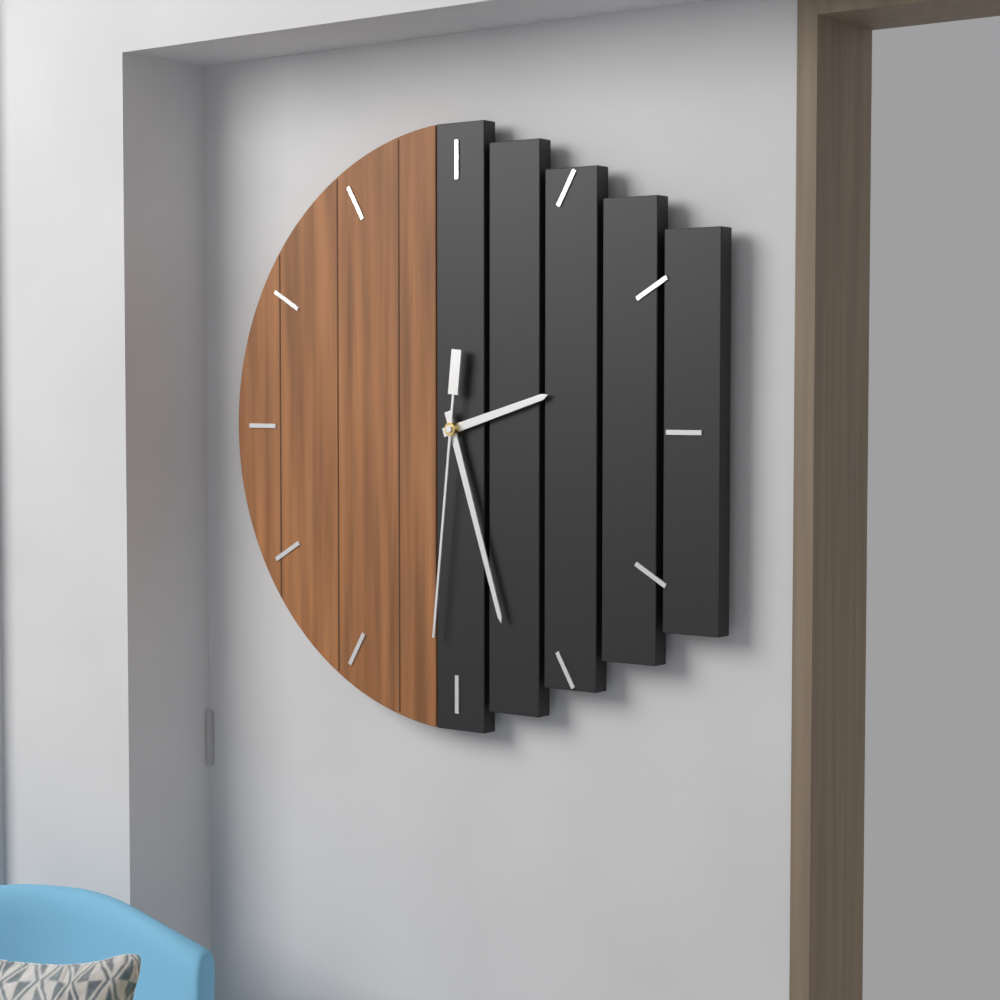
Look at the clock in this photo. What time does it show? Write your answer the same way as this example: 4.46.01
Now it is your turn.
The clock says 2.27.31
